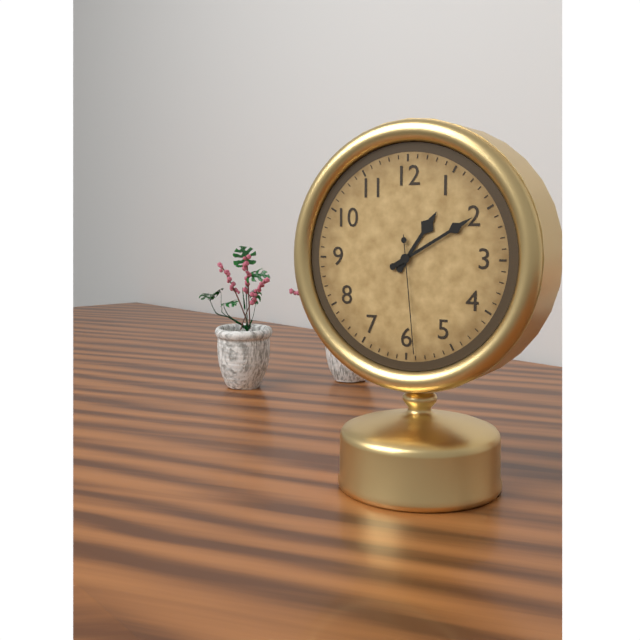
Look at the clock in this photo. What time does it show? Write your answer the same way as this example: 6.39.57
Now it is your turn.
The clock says 1.10.29
